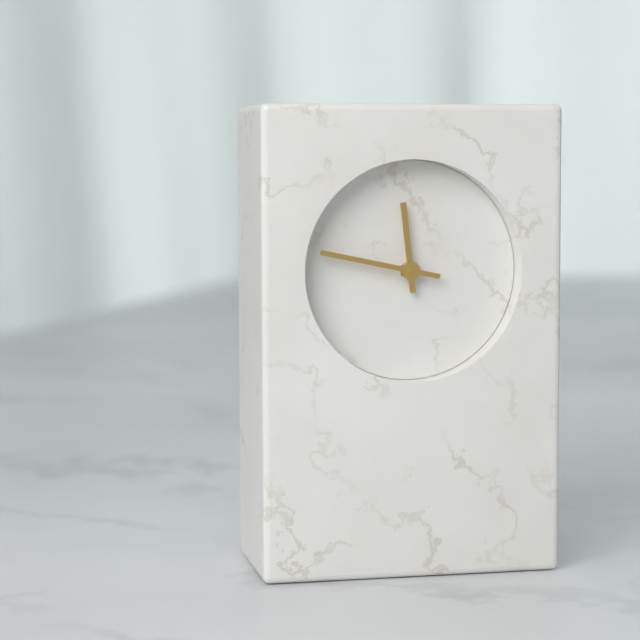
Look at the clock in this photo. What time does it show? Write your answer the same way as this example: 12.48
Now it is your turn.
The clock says 11.47
